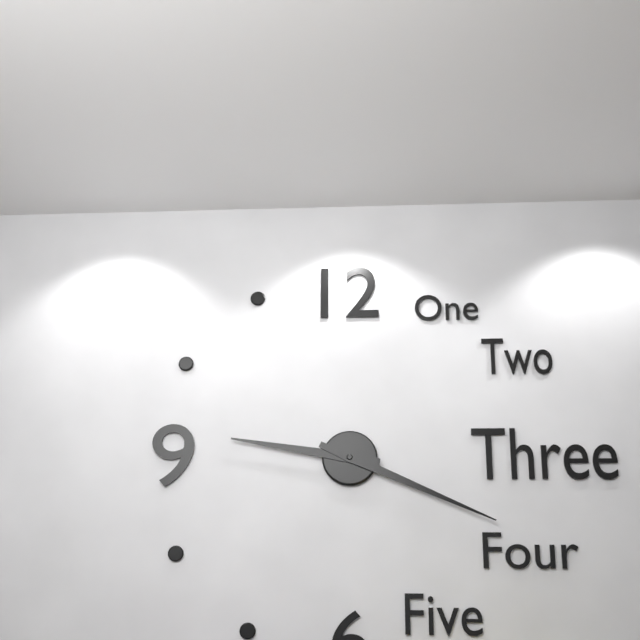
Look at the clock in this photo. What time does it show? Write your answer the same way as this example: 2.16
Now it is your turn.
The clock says 9.19
